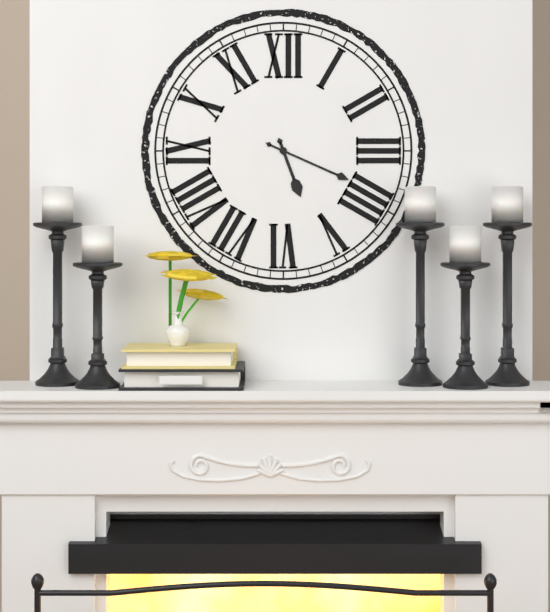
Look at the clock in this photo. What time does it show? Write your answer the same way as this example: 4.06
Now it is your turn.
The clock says 5.19
